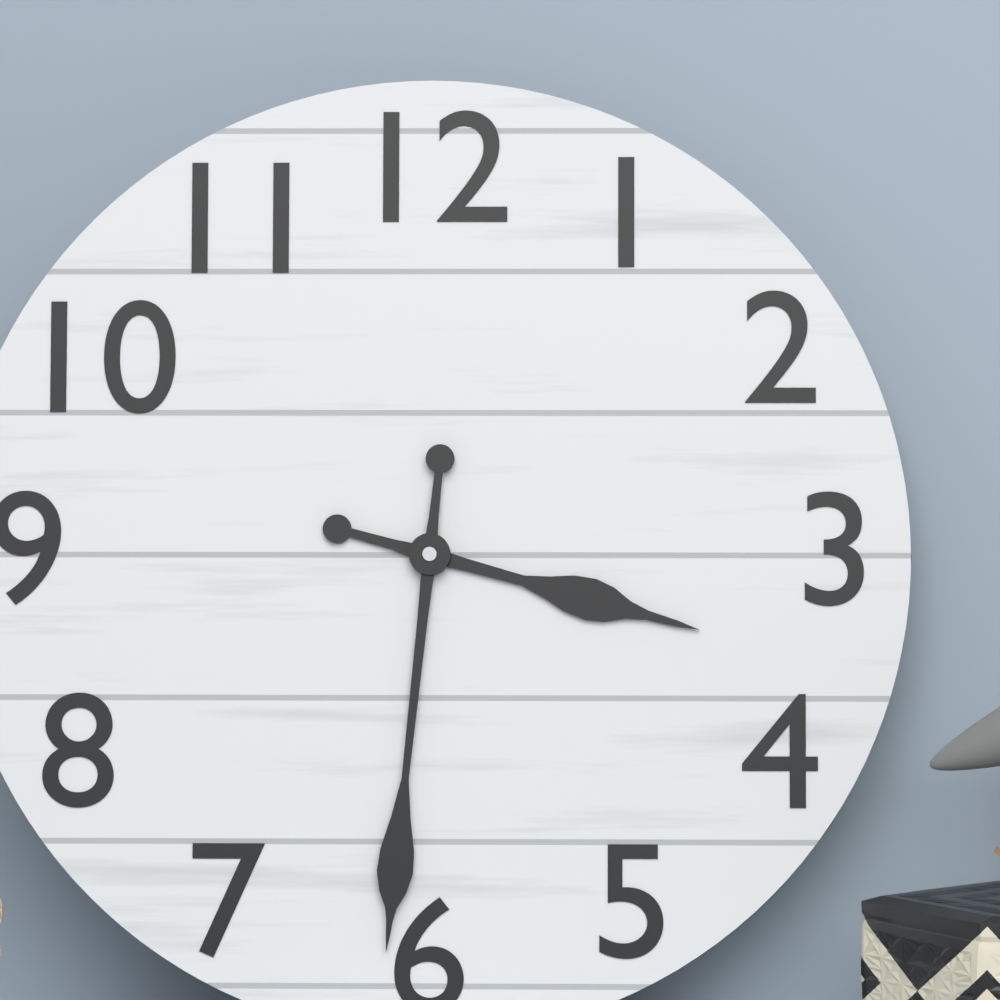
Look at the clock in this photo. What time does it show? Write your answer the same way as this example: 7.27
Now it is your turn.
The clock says 3.31
